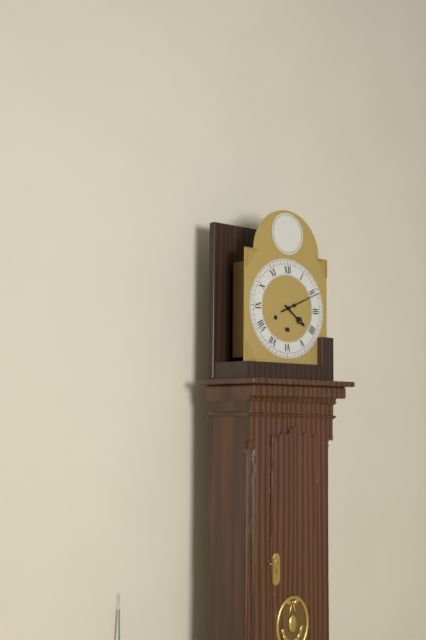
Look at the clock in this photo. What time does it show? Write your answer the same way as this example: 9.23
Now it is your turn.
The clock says 4.11
